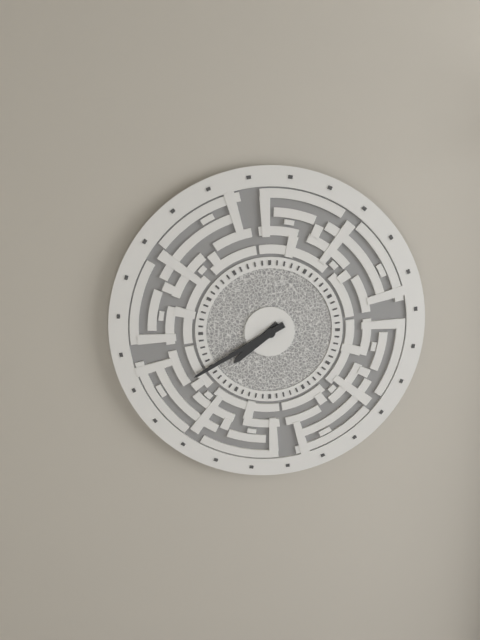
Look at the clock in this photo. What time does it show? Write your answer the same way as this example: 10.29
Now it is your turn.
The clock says 7.40
